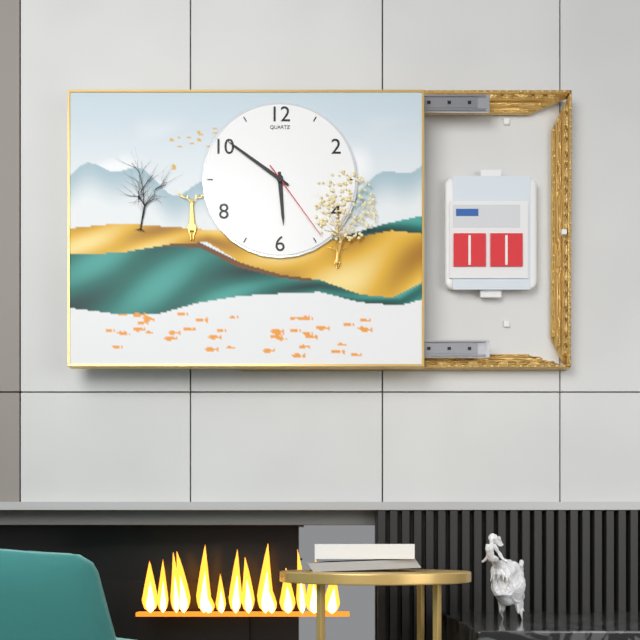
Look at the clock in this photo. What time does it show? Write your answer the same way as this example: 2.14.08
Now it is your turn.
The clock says 5.51.24
